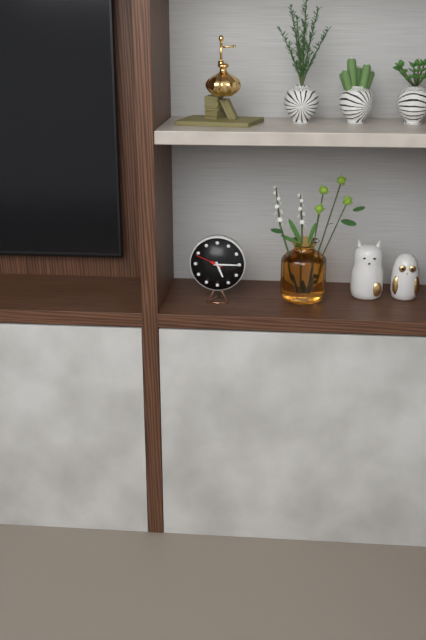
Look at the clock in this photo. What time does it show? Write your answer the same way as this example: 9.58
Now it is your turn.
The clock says 5.15
